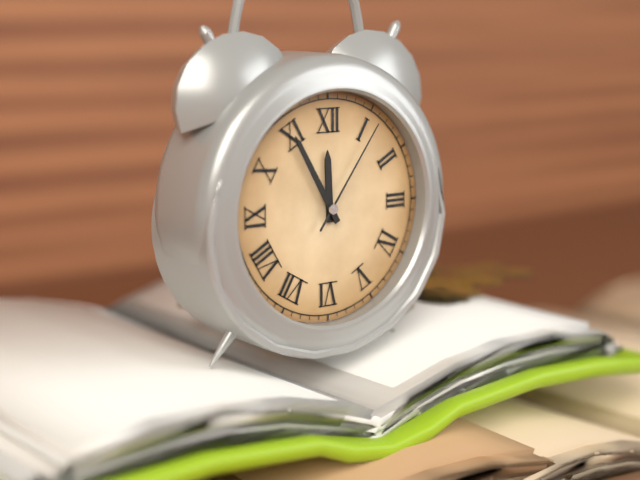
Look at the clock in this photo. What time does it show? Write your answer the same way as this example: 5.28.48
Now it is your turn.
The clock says 11.55.06
